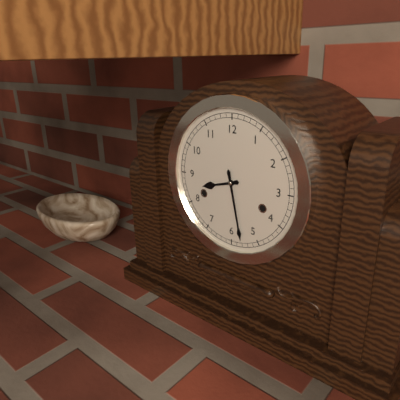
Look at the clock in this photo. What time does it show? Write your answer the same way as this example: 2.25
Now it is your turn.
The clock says 8.28
